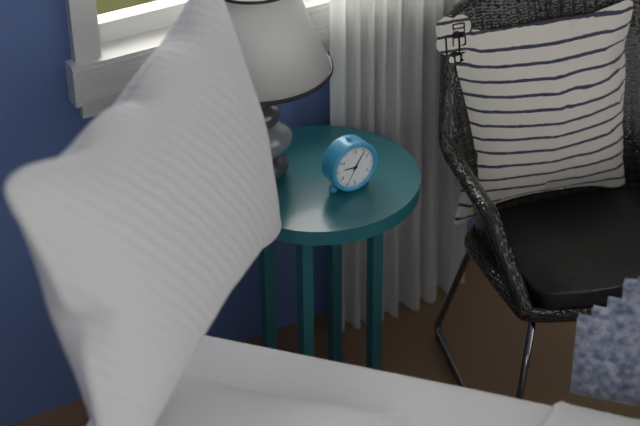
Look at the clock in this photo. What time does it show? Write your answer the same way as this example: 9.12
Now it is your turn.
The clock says 9.06
